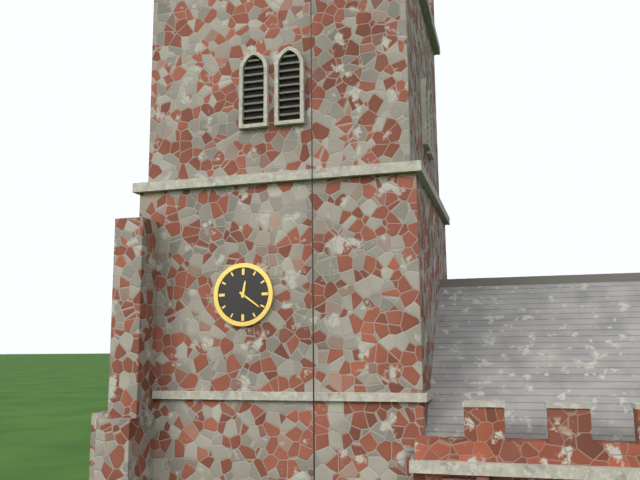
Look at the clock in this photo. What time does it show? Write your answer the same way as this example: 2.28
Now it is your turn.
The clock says 12.21
